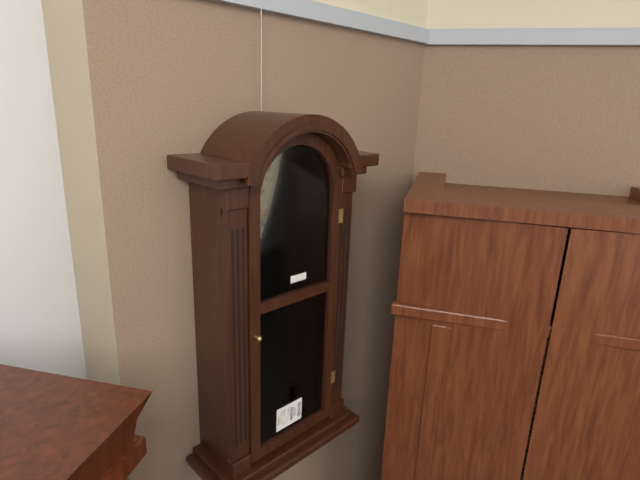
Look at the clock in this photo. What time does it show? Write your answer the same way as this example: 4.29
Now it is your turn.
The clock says 4.37
